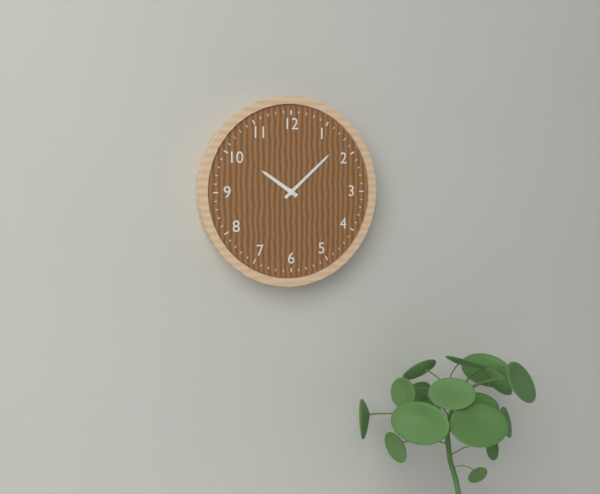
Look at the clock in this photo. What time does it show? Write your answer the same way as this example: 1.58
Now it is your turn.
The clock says 10.08
